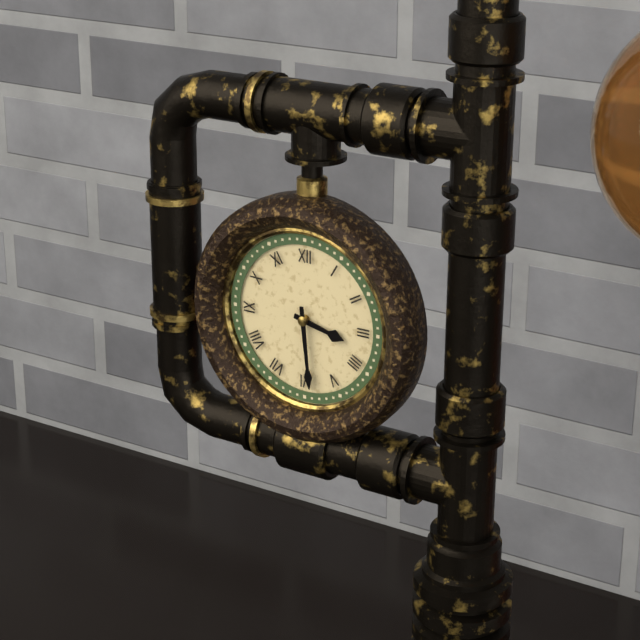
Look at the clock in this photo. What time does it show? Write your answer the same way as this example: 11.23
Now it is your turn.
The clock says 3.29
